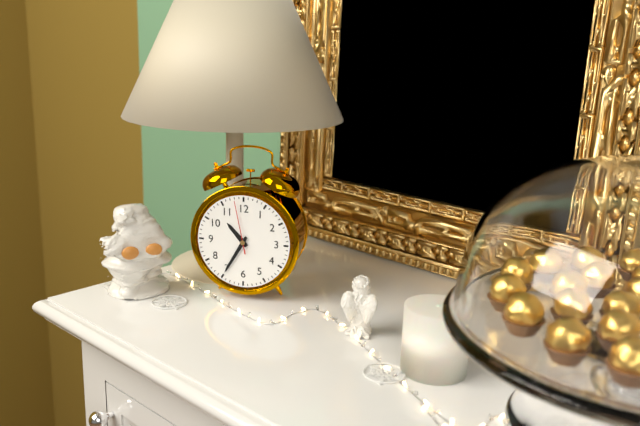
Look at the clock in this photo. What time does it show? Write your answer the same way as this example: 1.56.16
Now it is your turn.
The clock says 10.35.58
